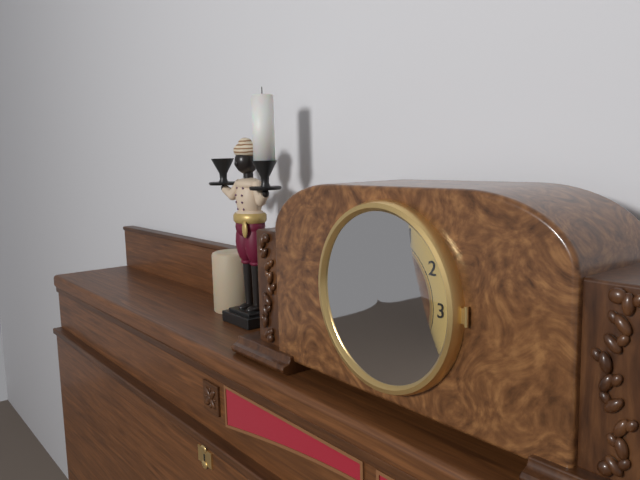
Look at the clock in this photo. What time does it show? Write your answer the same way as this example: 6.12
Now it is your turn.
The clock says 12.21
